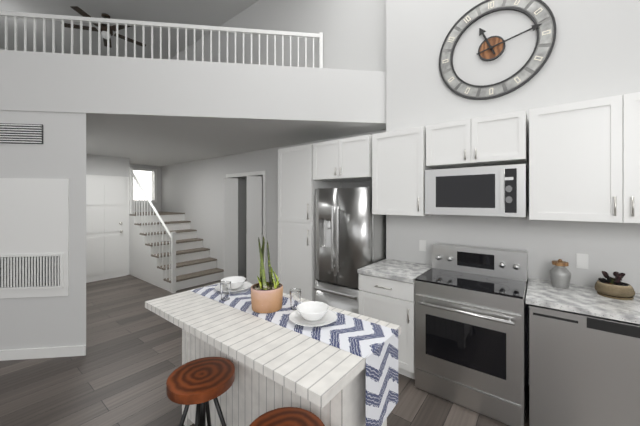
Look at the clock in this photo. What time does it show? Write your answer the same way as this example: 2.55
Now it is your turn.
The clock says 11.13
